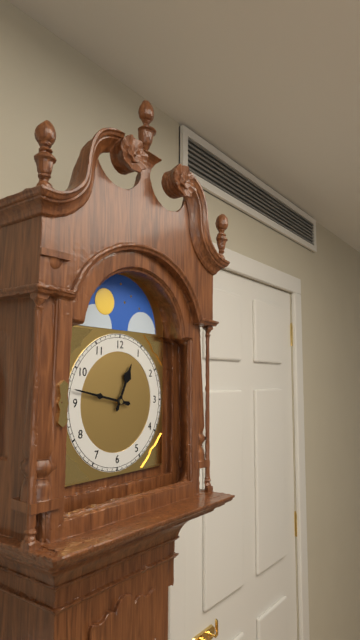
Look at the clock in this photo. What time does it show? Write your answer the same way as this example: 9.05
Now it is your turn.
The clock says 12.47
